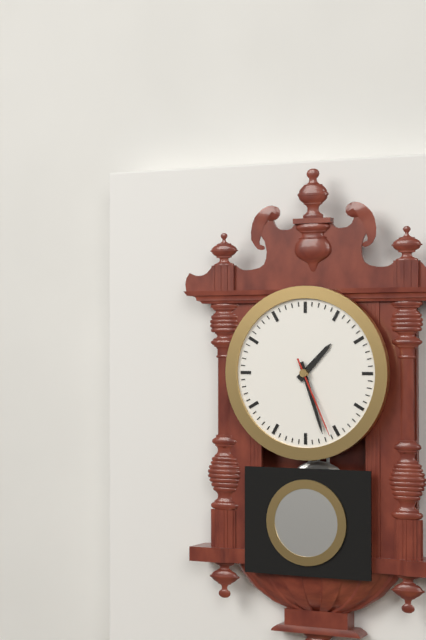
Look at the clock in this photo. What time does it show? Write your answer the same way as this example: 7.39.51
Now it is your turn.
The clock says 1.27.26
